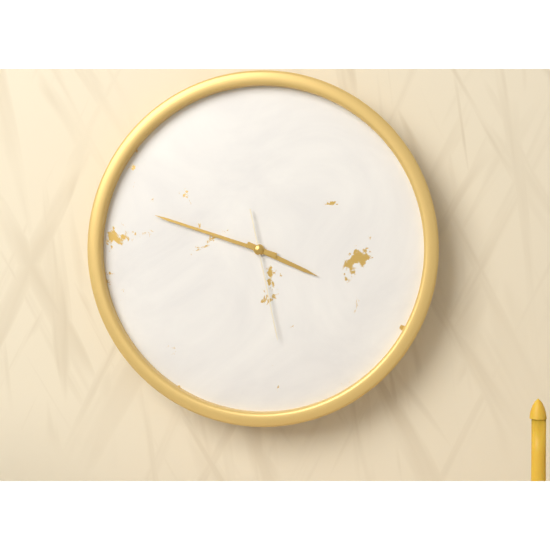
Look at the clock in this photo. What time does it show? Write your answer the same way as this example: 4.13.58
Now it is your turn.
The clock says 3.48.28
